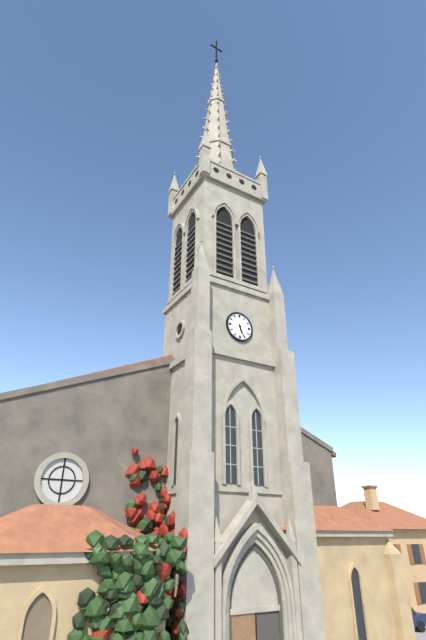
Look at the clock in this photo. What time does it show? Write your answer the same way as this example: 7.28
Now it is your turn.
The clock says 5.26
